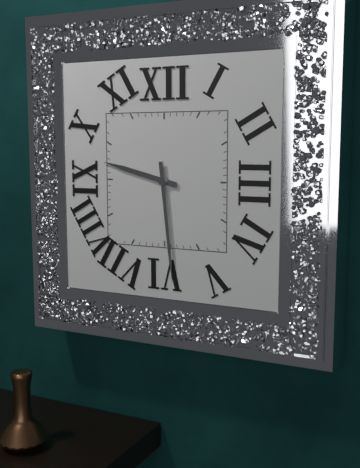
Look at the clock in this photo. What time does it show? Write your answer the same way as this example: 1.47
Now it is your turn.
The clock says 9.29
